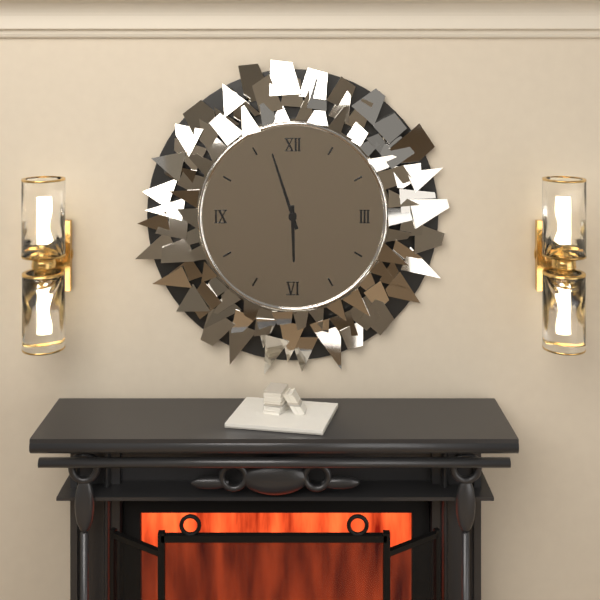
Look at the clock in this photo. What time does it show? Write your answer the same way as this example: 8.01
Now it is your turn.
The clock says 5.57
